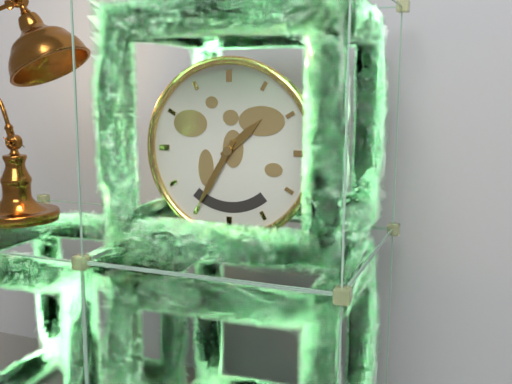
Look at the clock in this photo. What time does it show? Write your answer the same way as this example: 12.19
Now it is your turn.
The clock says 1.35
